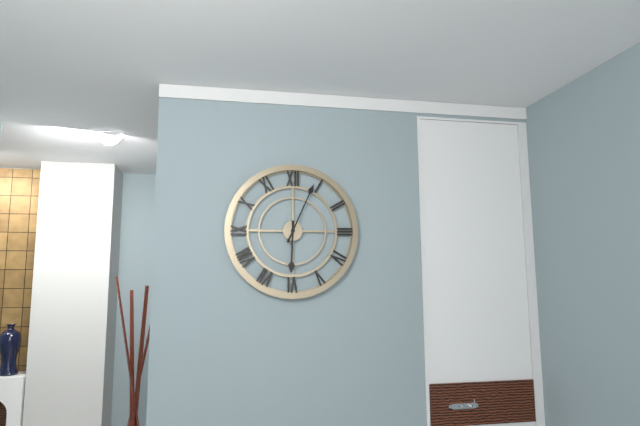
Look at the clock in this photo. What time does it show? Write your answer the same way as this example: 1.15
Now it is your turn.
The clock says 6.04
